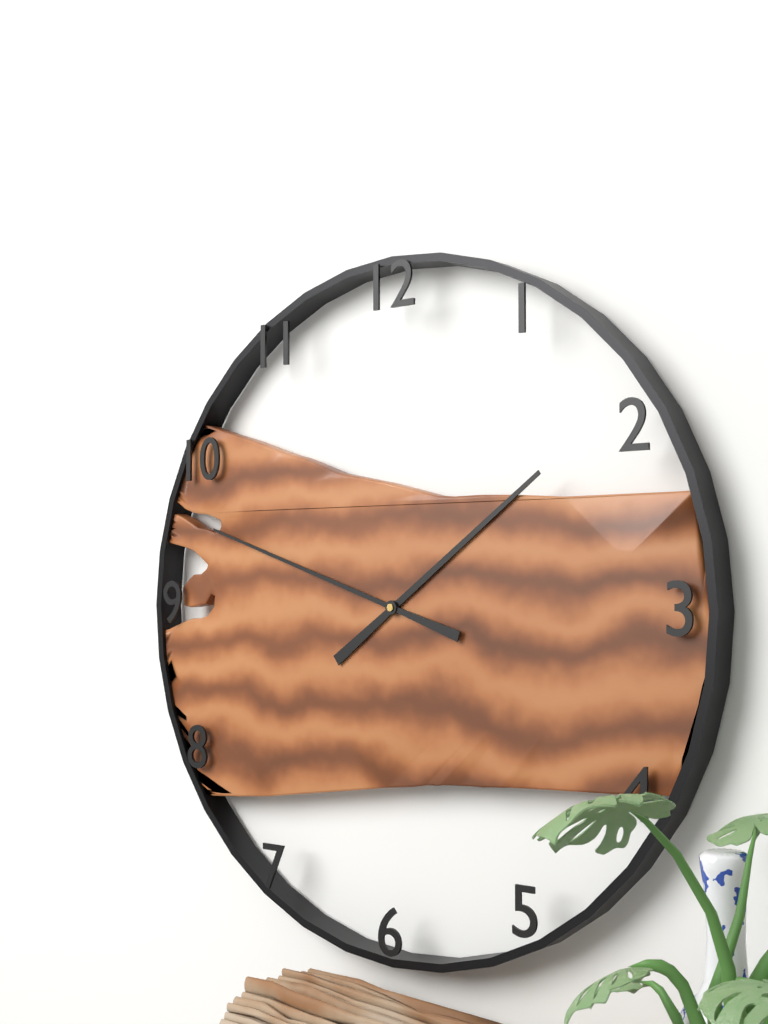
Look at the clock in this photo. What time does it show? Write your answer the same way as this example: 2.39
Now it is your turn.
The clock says 1.48
